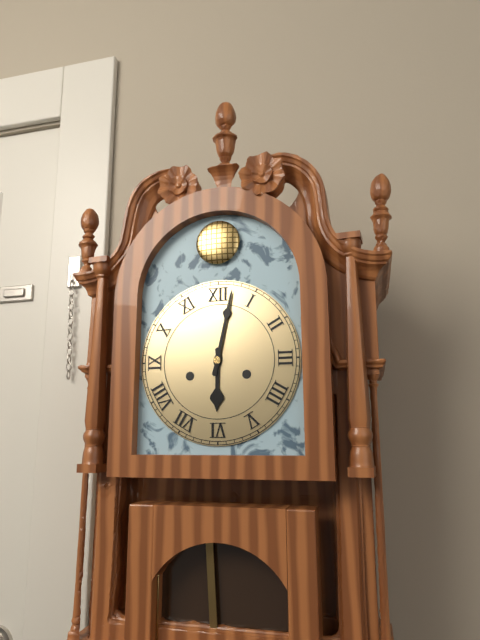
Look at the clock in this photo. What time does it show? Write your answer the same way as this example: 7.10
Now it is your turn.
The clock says 6.02
